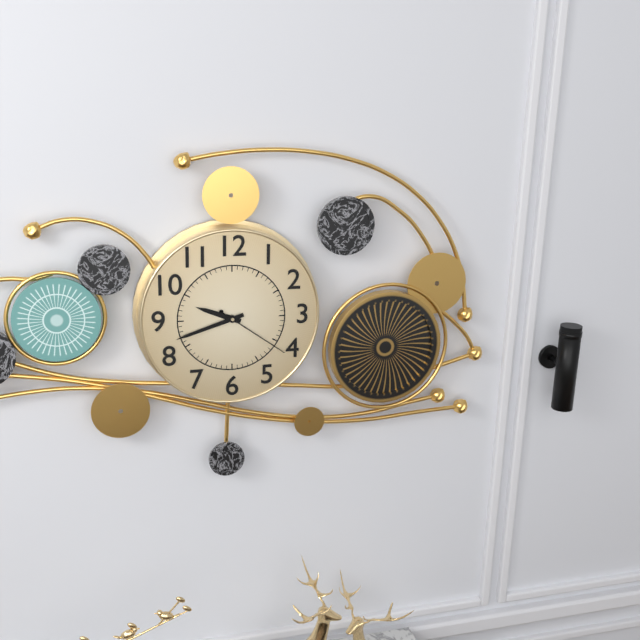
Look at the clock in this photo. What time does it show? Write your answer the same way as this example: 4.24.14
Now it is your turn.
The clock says 9.42.21
